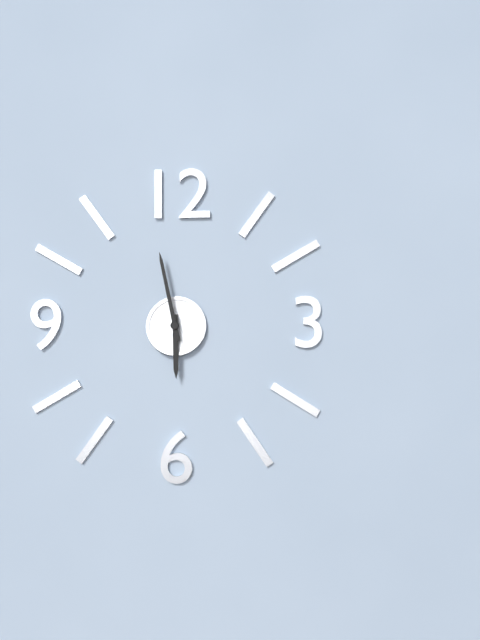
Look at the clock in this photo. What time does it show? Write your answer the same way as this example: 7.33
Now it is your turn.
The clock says 5.58
